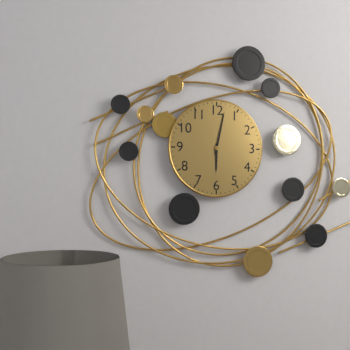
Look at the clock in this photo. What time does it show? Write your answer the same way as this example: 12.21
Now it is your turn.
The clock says 6.02
